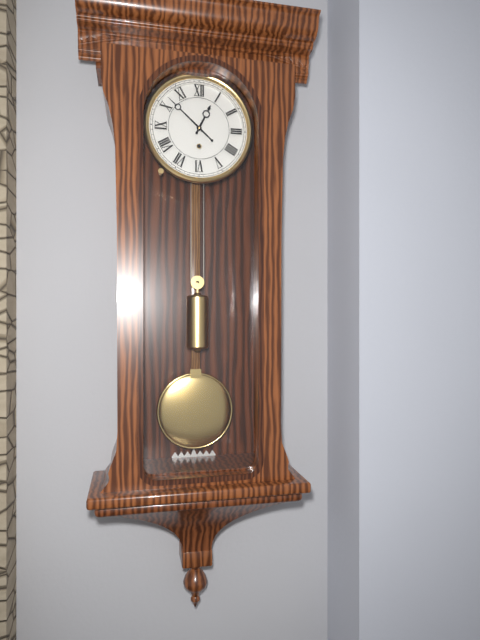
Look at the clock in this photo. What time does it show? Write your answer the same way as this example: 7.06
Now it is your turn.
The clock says 12.52
